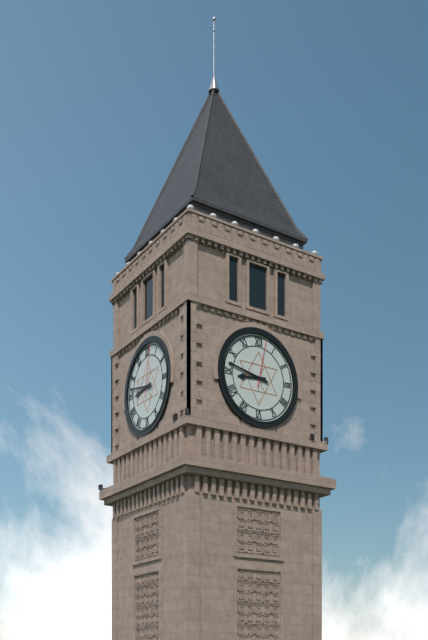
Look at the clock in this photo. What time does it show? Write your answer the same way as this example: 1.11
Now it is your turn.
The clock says 8.47
